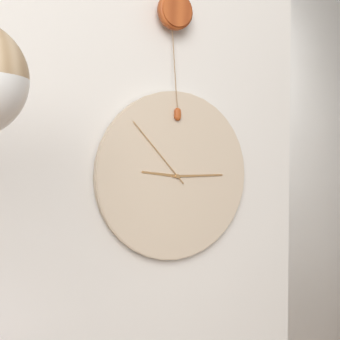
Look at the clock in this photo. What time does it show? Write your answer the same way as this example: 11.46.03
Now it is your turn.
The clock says 9.15.53
